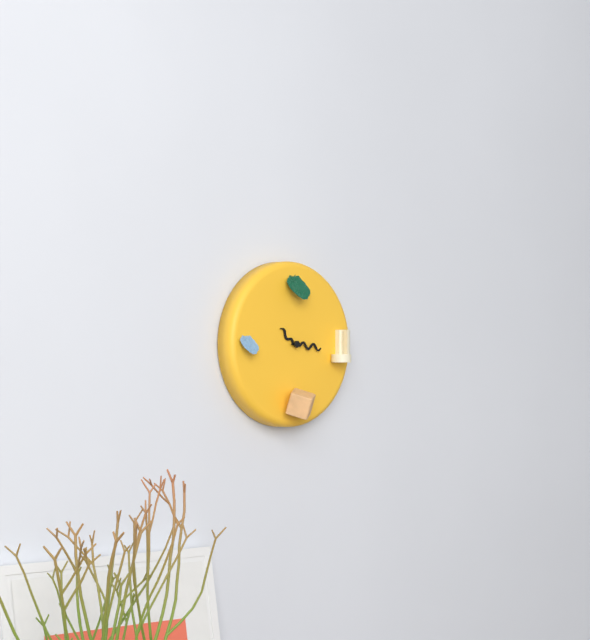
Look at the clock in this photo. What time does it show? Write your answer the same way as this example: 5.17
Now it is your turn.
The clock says 10.16
